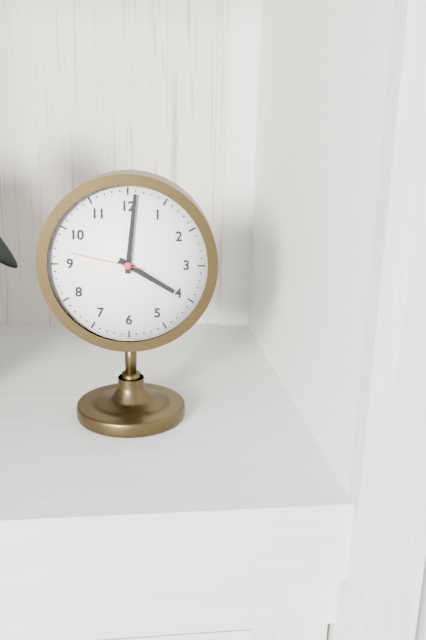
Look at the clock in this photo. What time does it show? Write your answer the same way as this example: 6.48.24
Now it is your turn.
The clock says 4.01.47
